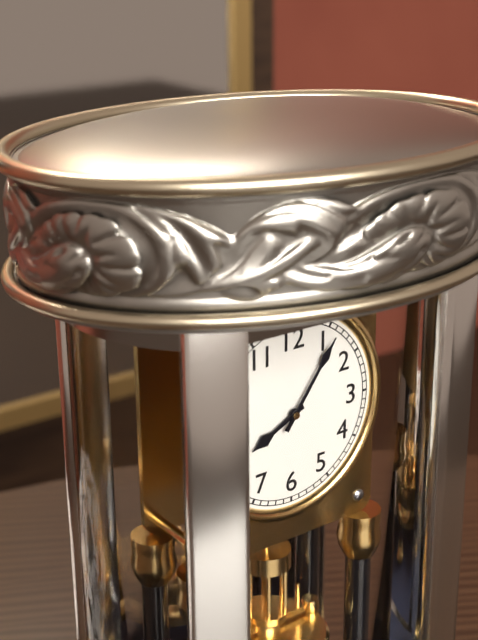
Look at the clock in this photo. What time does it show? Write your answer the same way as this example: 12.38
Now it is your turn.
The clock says 8.06
